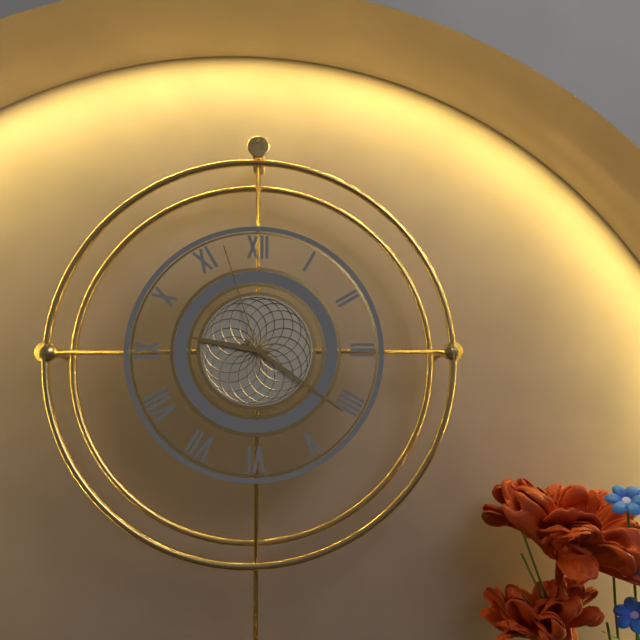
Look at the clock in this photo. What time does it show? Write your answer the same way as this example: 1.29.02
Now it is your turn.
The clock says 9.21.57
